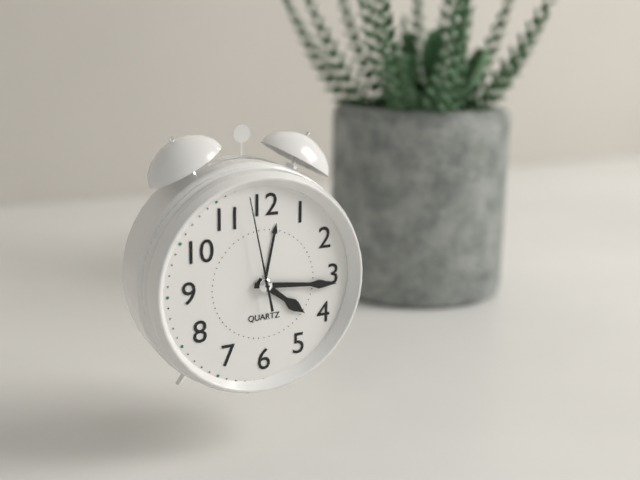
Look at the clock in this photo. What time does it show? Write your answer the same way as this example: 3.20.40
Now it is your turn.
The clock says 4.16.58
